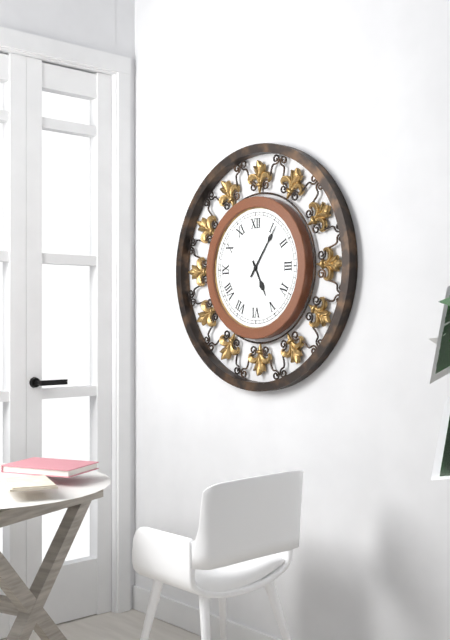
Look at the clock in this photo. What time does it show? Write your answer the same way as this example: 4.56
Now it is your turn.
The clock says 5.06
